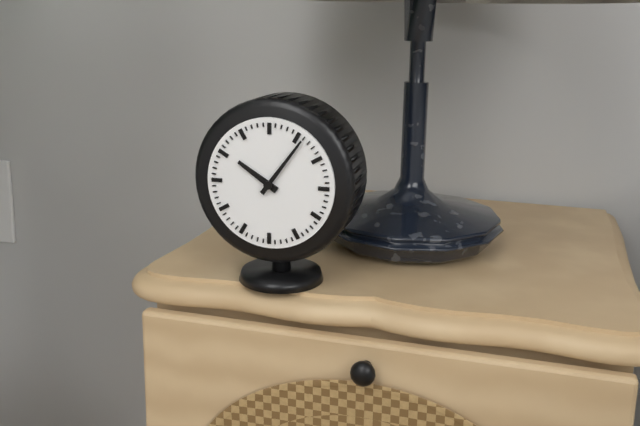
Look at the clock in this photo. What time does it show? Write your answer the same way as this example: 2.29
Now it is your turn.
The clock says 10.06
